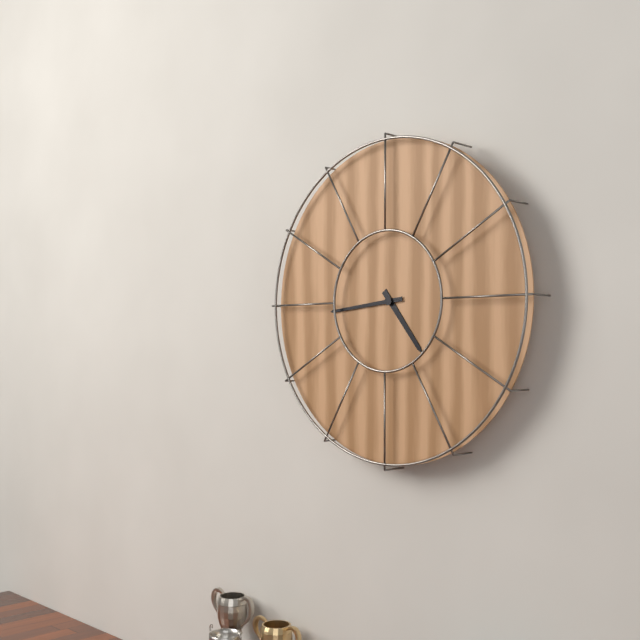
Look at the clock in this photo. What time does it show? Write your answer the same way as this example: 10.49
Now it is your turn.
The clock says 4.44
